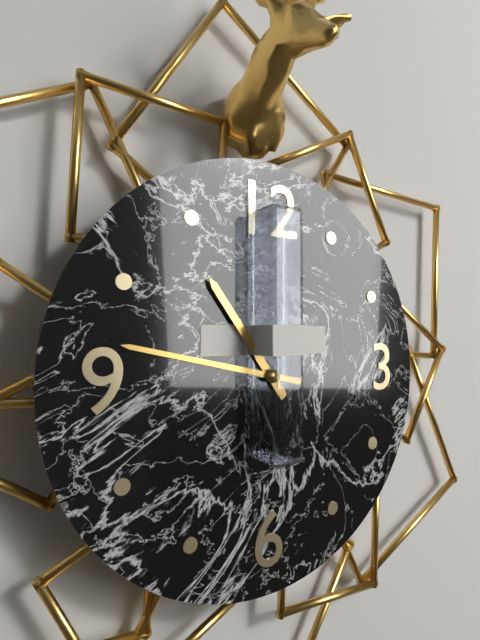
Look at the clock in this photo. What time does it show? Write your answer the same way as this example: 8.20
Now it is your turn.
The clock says 10.47
